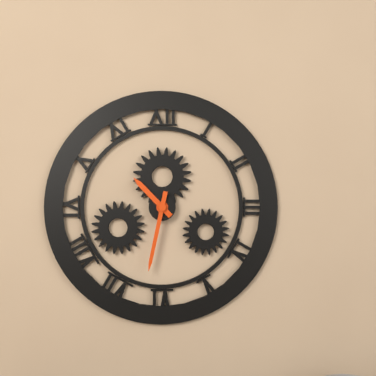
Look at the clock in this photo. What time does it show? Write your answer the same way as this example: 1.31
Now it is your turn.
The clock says 10.32
